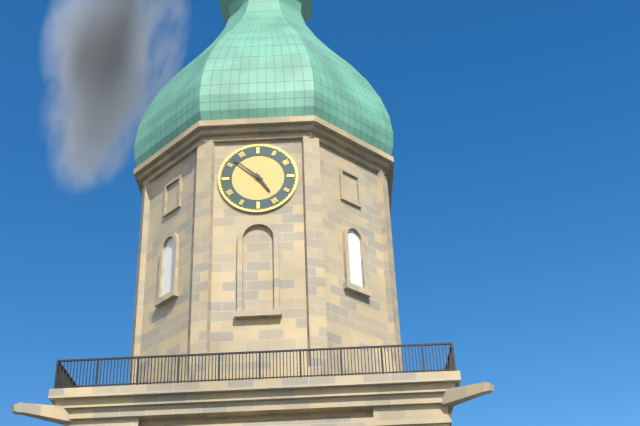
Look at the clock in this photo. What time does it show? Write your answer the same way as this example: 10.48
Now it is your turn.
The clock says 4.52
